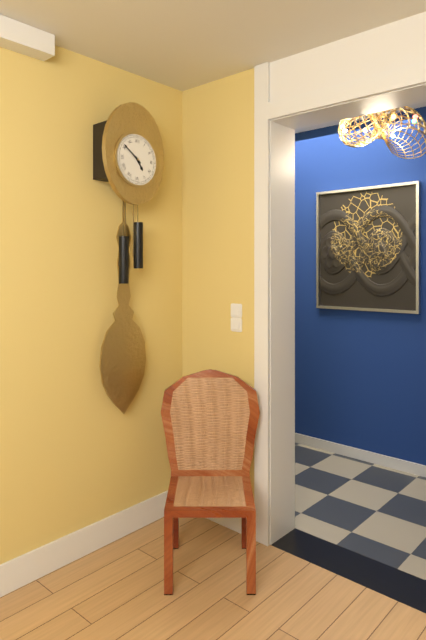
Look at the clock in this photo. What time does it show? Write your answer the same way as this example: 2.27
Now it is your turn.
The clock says 4.51
